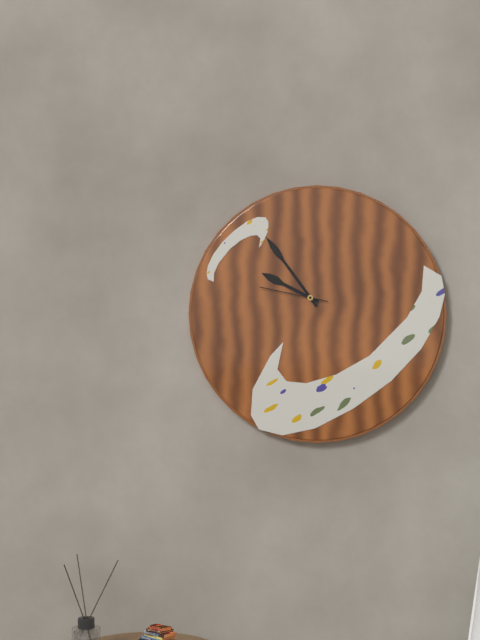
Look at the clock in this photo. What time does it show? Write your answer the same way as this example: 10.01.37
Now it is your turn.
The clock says 9.54.47
